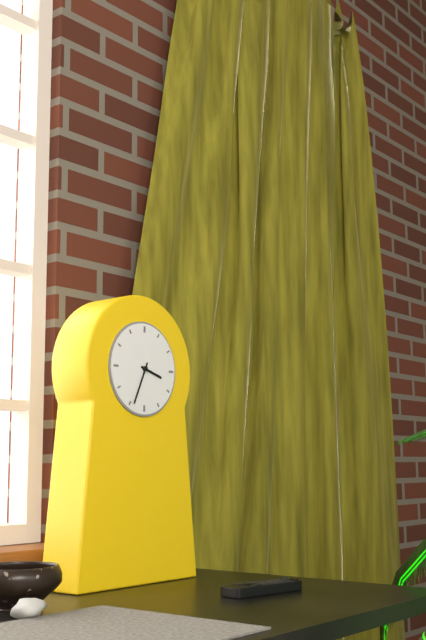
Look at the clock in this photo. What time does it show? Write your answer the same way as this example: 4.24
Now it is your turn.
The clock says 3.34
